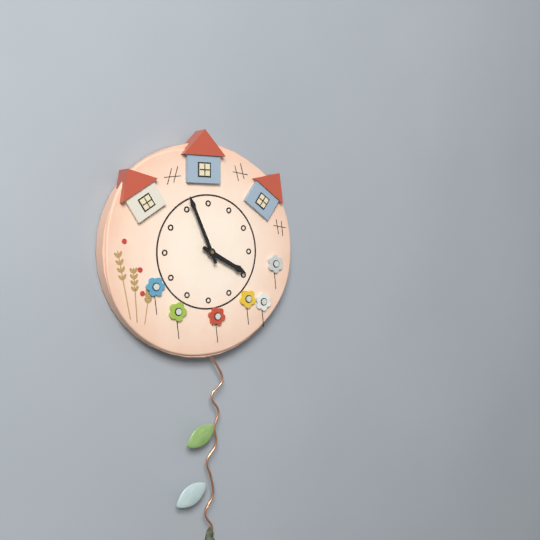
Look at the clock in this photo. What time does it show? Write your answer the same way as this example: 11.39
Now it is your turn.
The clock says 3.56
